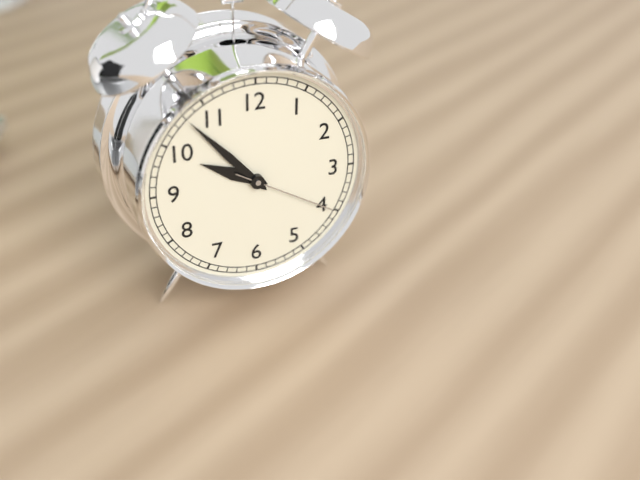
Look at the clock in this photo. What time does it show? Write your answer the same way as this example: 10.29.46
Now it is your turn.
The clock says 9.53.20
